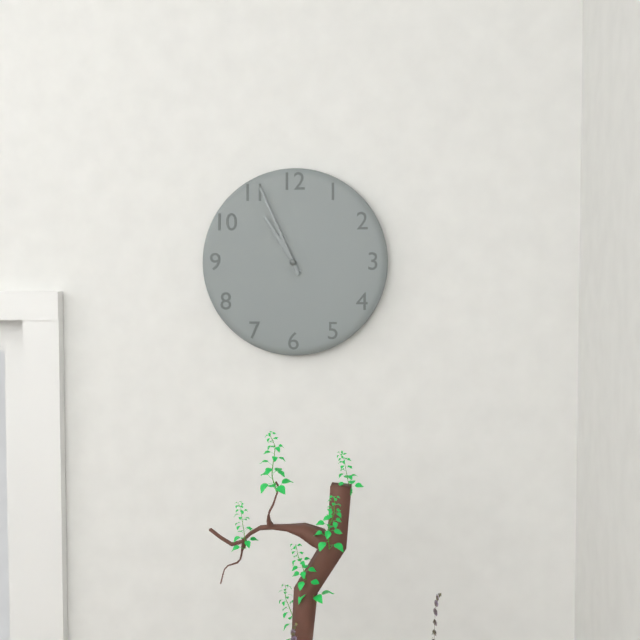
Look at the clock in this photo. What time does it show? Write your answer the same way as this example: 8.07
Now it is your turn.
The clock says 10.56
